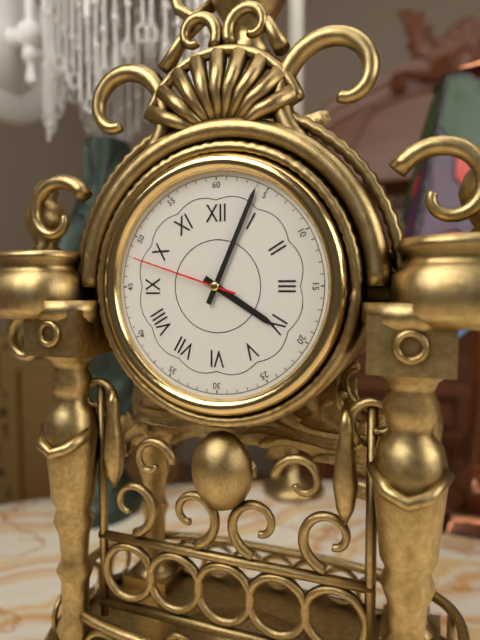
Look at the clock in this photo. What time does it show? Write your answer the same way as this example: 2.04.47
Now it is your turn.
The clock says 4.04.48
